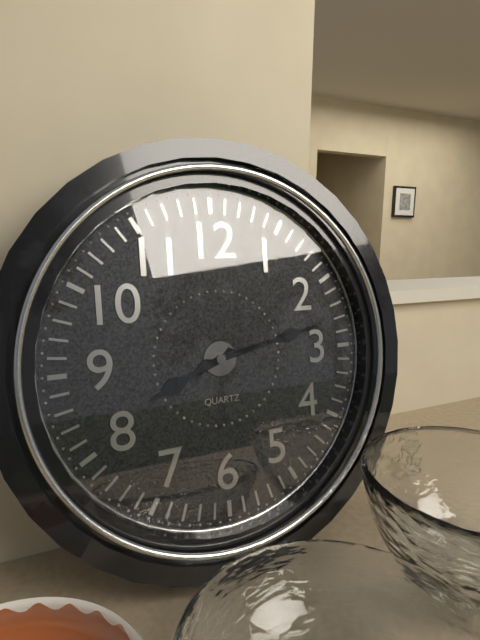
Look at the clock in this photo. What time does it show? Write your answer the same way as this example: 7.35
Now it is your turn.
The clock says 8.13
